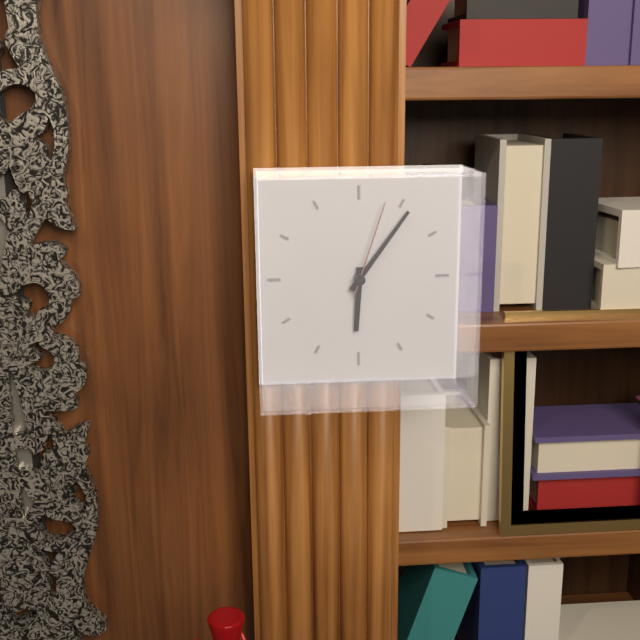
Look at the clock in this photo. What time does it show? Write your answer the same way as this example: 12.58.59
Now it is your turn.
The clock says 6.06.03
